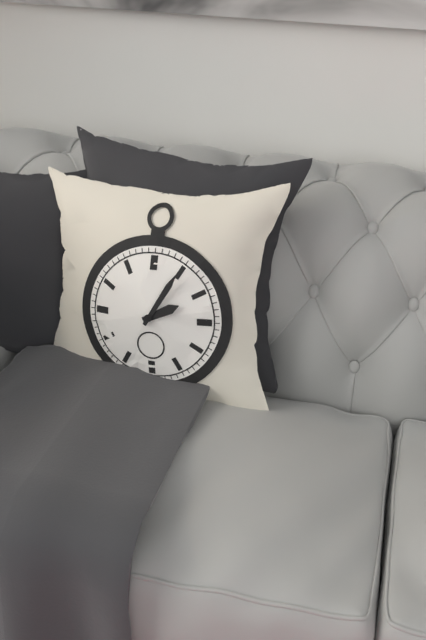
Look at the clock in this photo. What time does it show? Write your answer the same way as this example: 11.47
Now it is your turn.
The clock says 2.05
